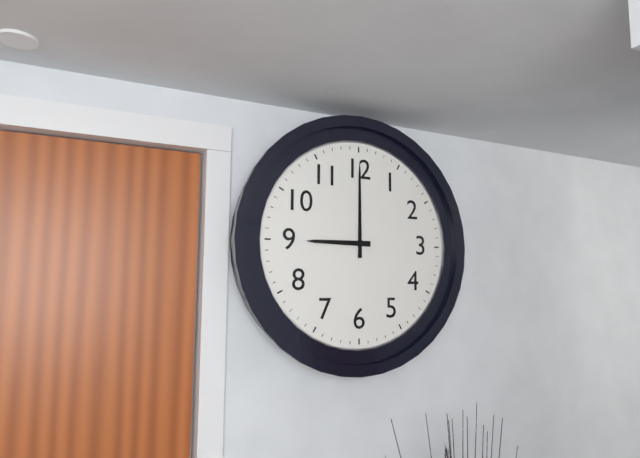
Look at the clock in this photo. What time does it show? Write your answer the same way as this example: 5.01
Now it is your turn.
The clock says 9.00
